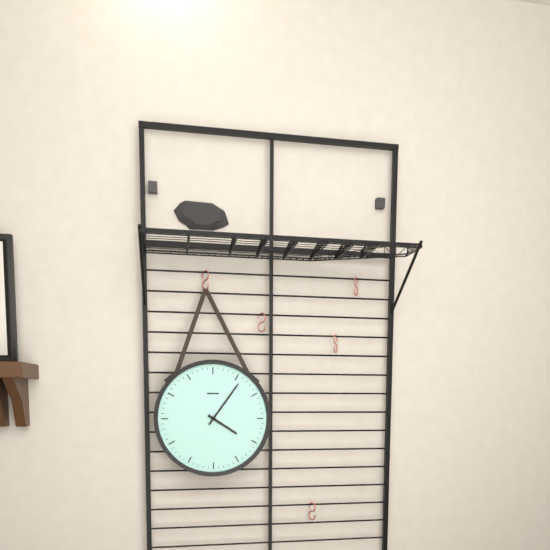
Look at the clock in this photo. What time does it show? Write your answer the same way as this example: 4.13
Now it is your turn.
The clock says 4.06
